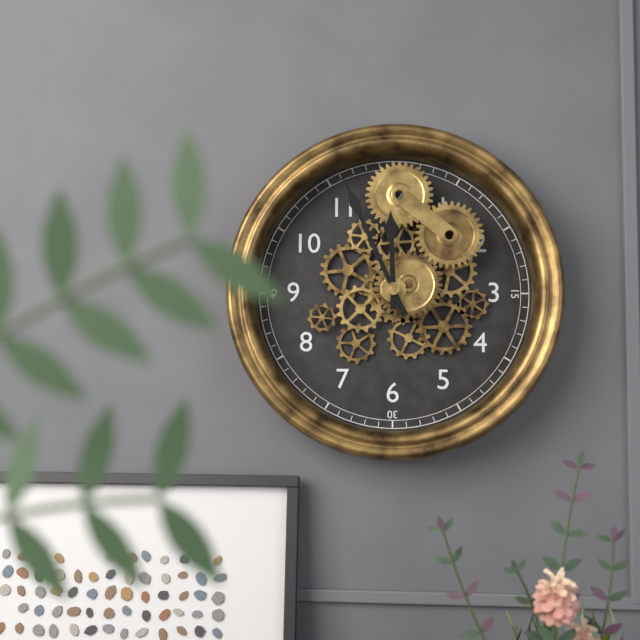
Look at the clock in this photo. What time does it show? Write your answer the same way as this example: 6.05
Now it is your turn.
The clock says 11.56
